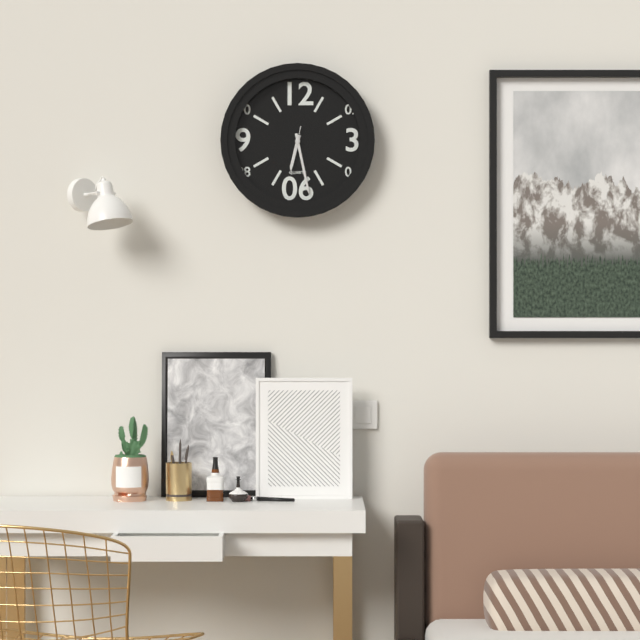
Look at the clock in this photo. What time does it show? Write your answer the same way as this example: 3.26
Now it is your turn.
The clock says 6.28
